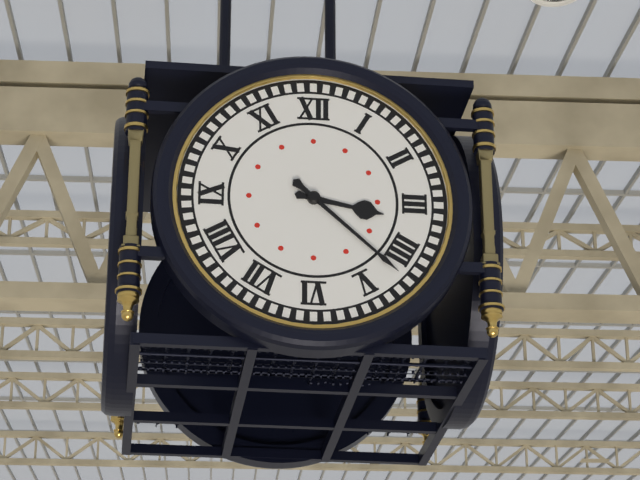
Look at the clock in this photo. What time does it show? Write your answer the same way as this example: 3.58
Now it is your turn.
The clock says 3.22
